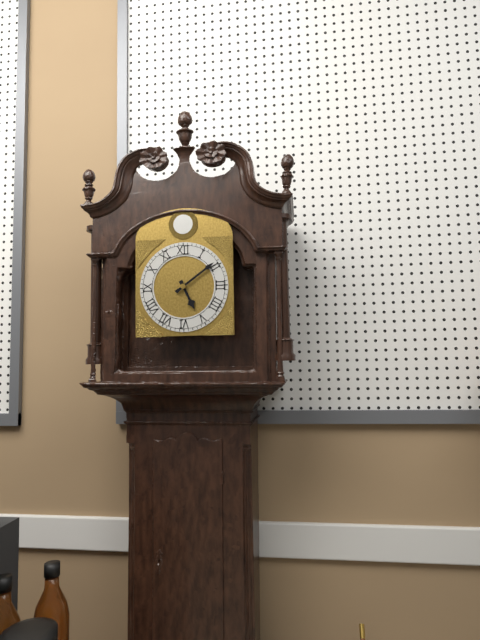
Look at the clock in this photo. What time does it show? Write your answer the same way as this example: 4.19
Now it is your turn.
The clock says 5.09
